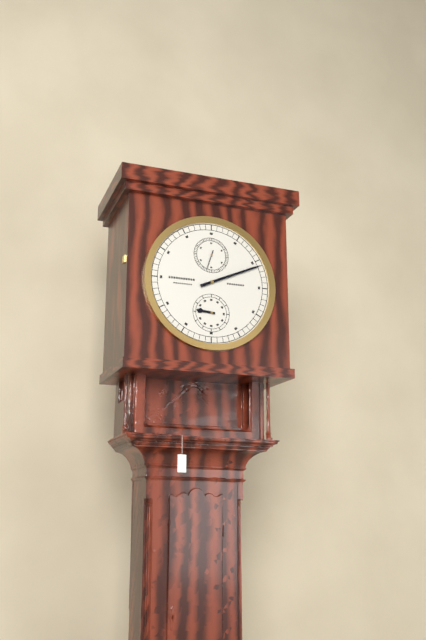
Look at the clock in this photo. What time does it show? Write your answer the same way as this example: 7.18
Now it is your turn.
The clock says 9.11
